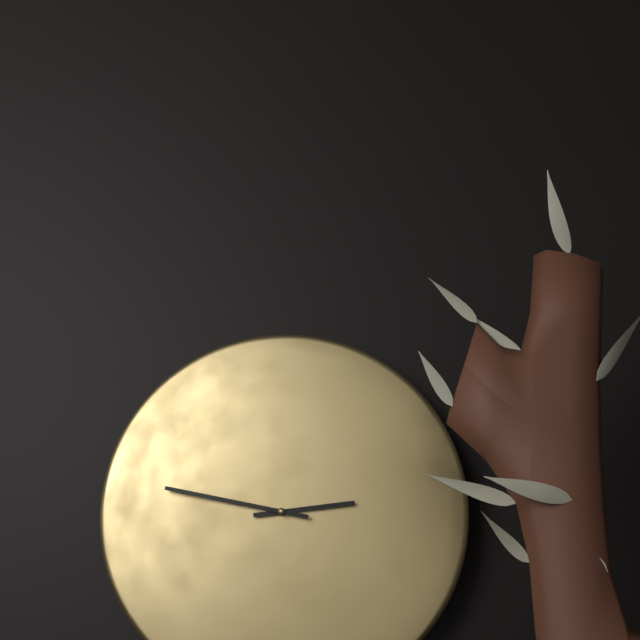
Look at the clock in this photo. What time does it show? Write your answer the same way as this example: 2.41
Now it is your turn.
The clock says 2.47
